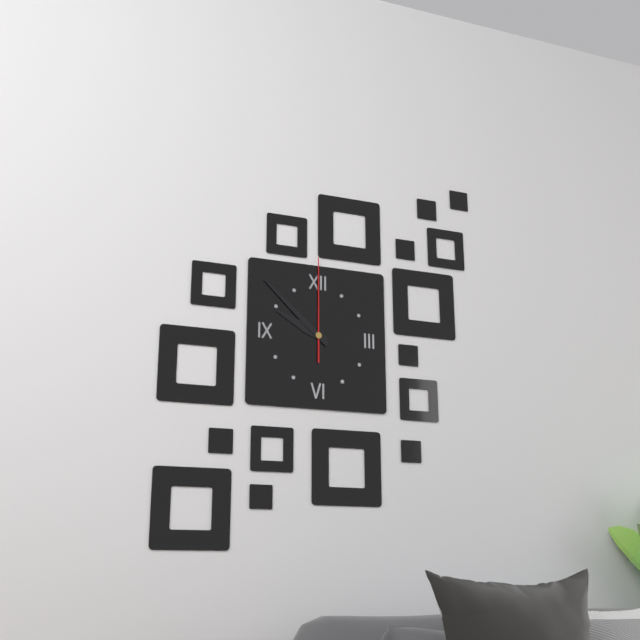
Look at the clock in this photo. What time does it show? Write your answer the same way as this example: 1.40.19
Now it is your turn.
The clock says 9.52.00
